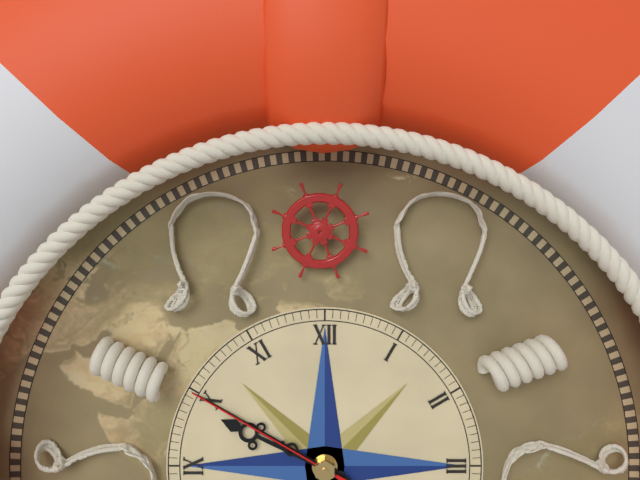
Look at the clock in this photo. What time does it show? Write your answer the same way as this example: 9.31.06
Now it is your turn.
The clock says 9.50.50
